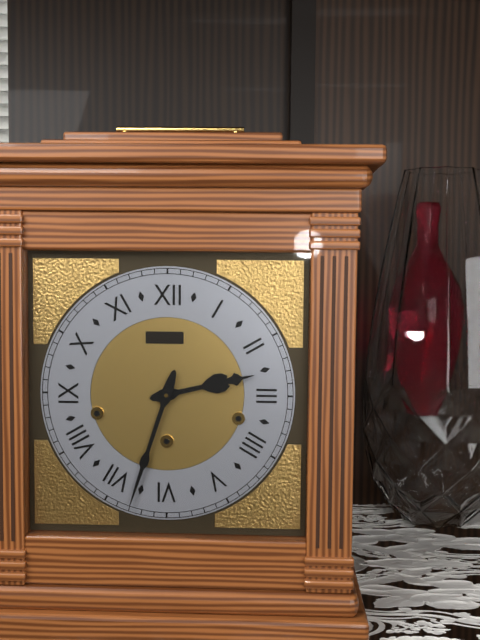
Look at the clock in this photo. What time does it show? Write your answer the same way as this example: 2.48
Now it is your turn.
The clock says 2.33
